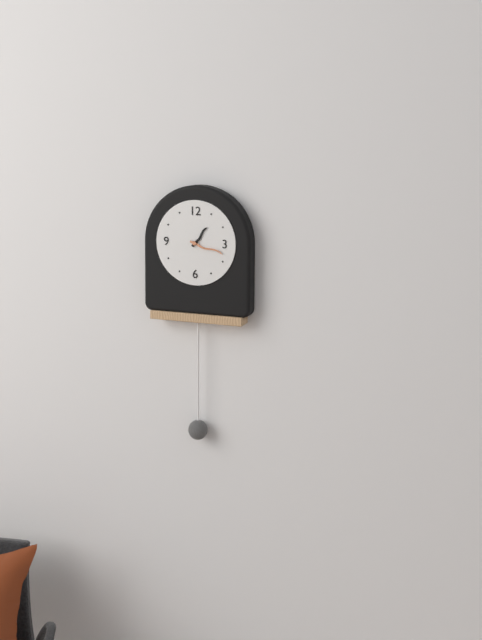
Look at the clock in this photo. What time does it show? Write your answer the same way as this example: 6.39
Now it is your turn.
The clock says 1.18
